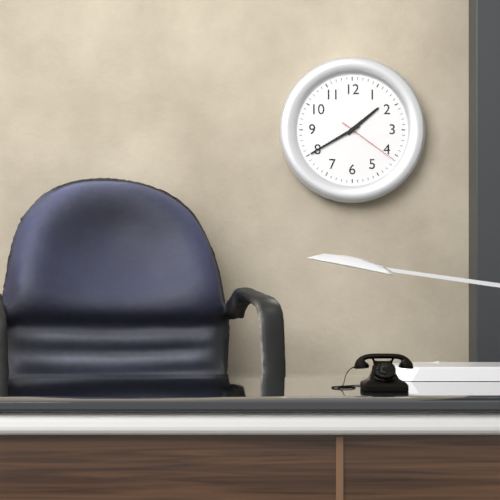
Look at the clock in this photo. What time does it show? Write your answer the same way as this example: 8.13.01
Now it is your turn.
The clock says 1.40.21
